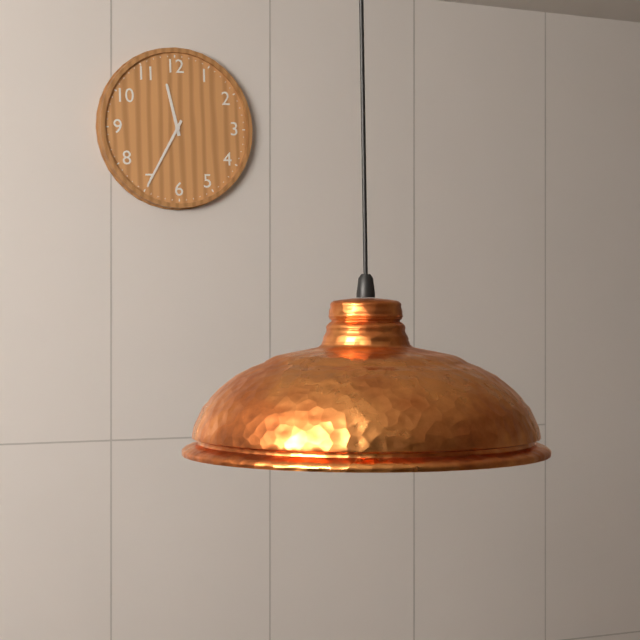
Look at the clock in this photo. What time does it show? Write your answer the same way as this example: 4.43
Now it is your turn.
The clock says 11.35
